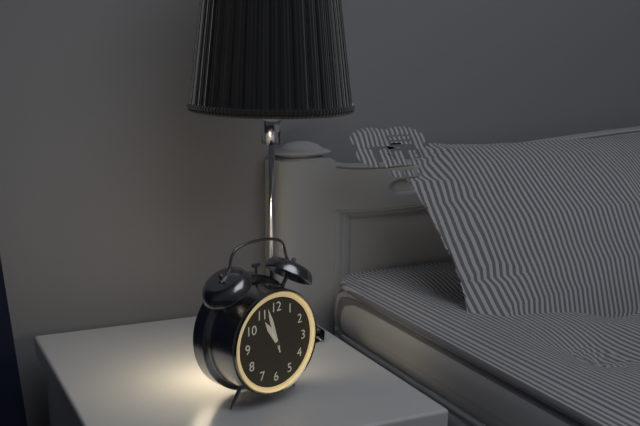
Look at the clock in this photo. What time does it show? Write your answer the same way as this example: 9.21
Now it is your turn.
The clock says 10.57
